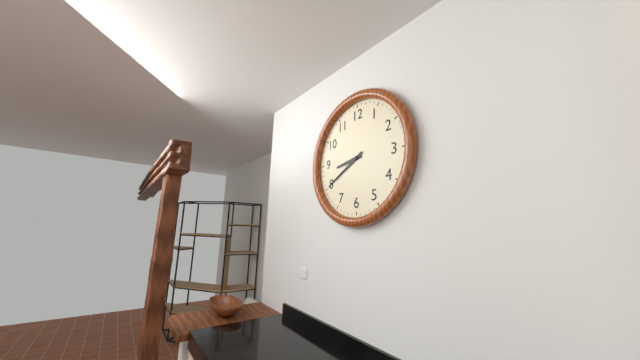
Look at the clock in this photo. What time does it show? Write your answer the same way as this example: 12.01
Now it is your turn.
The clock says 8.40
